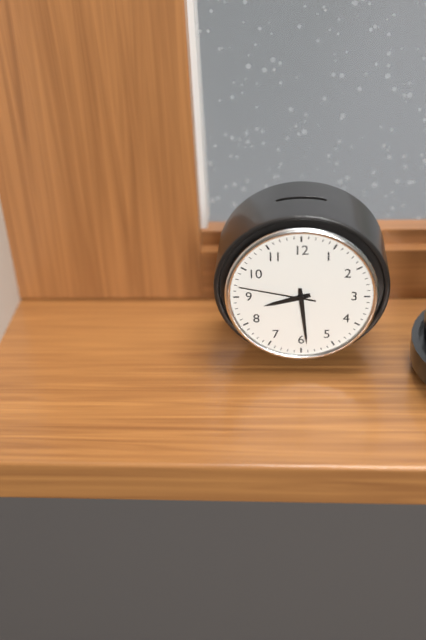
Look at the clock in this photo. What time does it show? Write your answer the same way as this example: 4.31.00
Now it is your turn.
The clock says 8.29.47
